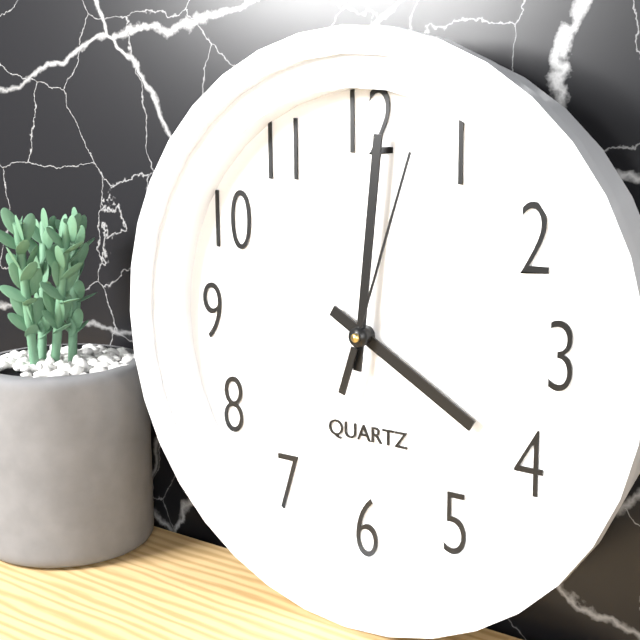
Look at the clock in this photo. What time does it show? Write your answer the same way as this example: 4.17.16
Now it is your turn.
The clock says 4.01.03
